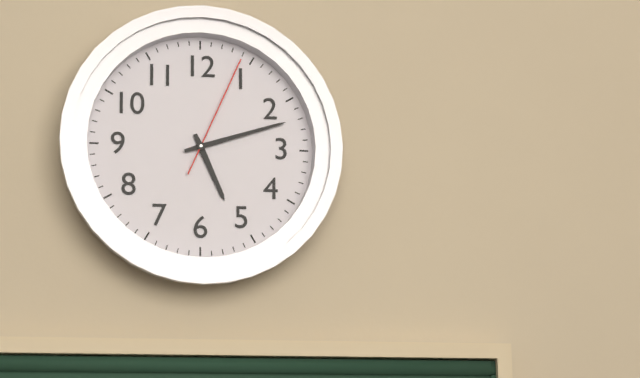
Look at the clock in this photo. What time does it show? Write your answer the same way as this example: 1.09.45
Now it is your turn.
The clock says 5.12.04
